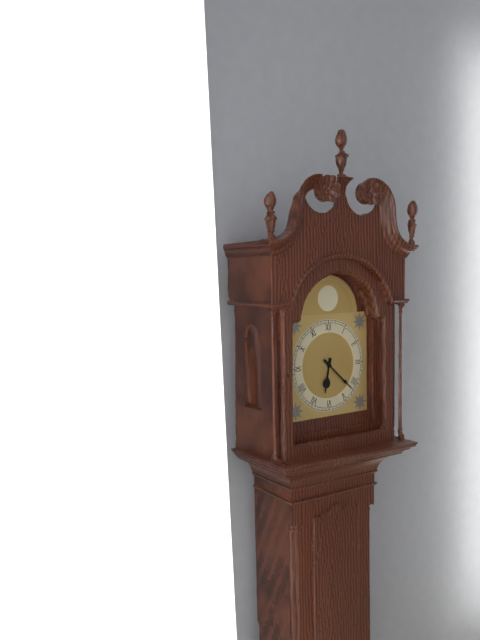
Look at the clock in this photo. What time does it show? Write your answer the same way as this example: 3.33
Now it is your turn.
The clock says 6.22
